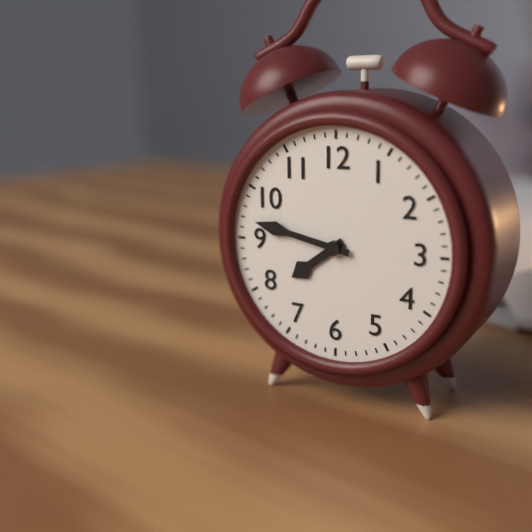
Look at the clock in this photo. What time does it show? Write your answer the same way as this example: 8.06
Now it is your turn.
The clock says 7.47
